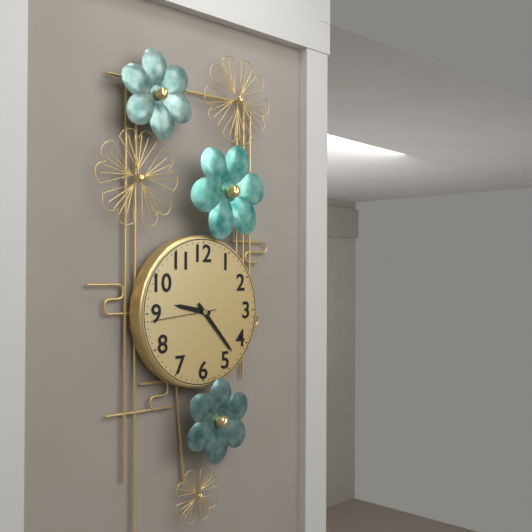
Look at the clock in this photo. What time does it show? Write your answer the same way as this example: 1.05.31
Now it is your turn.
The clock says 9.23.44
